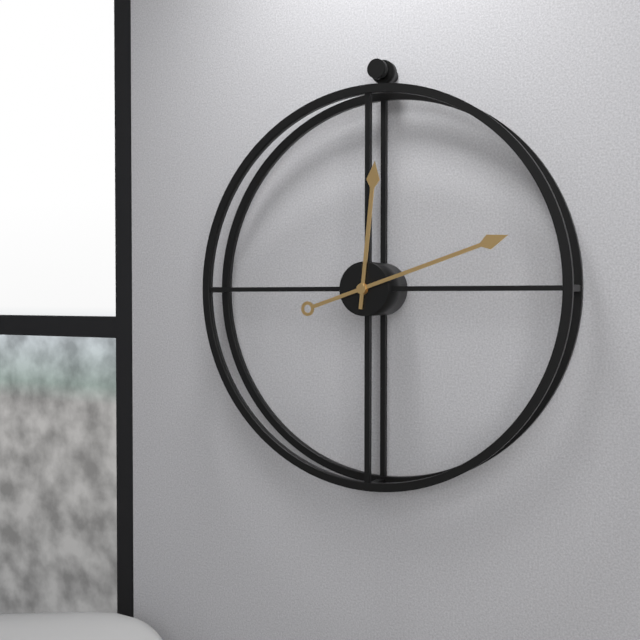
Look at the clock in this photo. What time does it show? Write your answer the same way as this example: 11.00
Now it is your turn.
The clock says 12.12
